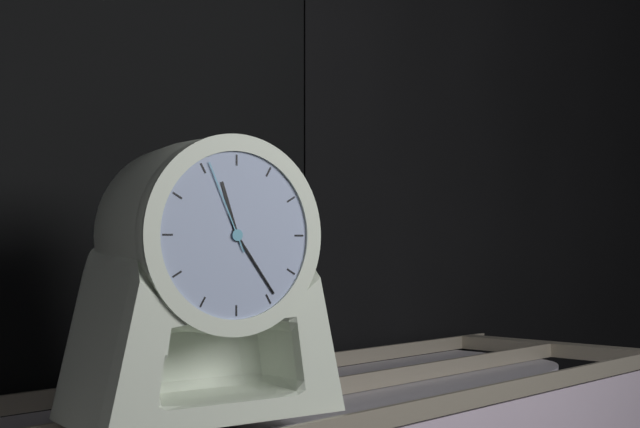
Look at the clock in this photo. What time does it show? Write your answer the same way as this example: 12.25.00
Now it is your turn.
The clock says 11.24.56
